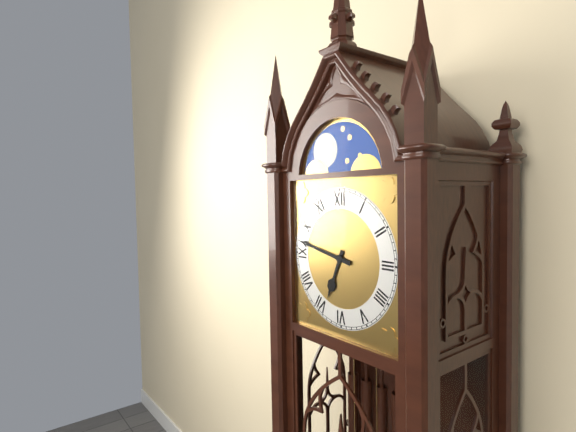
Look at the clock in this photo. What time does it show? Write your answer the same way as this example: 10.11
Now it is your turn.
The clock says 6.47
